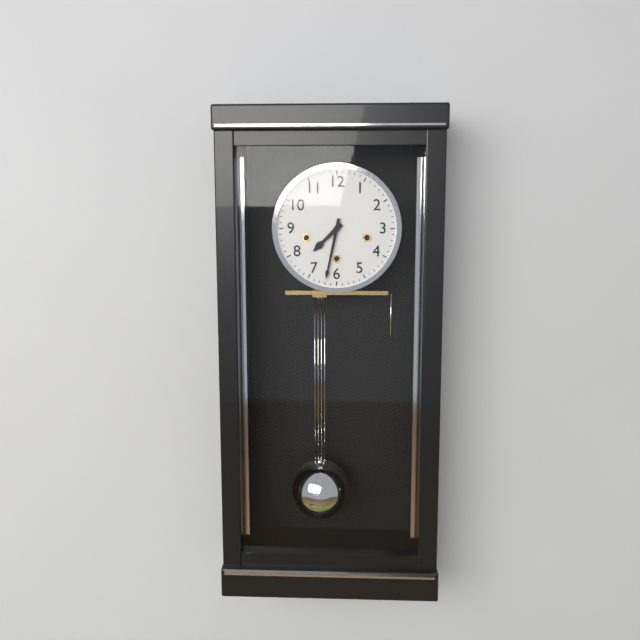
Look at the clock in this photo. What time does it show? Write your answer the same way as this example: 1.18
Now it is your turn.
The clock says 7.32
